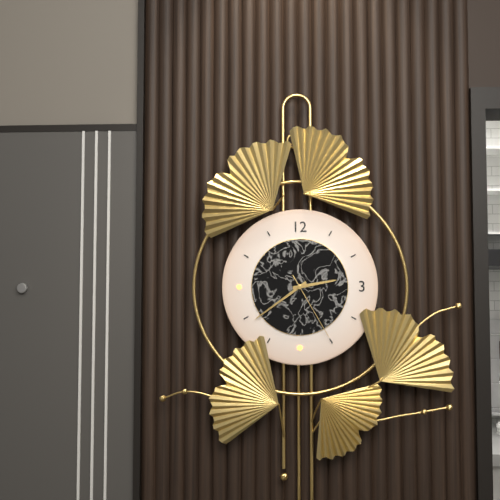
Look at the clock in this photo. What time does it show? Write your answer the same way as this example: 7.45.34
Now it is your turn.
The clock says 2.39.25
